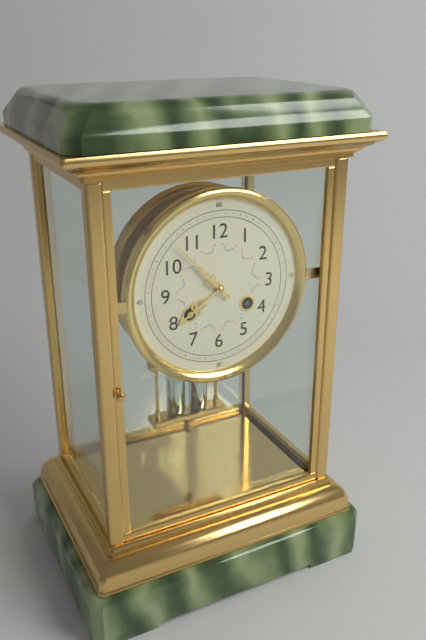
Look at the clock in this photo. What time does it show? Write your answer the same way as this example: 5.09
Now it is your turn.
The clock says 7.53
